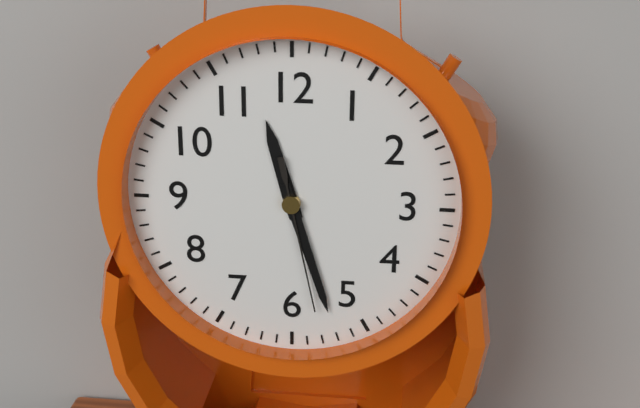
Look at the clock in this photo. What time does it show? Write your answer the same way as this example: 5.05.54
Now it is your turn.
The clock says 11.27.28
